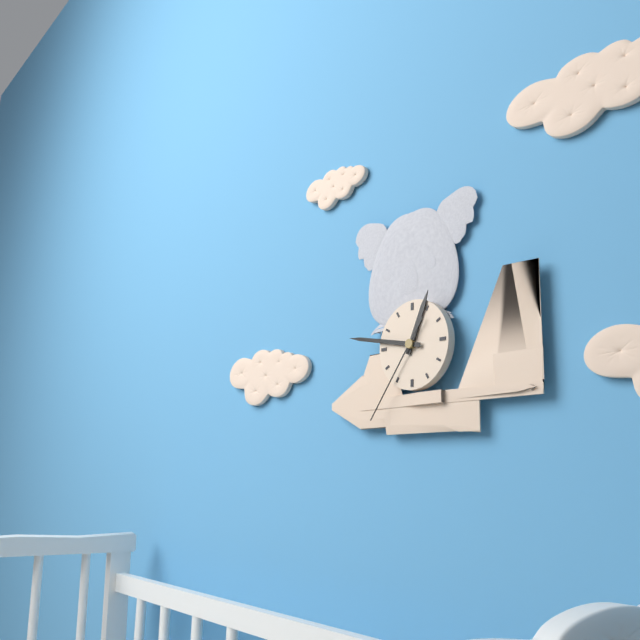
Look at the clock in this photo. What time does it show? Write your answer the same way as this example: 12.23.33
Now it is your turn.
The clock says 12.47.36
